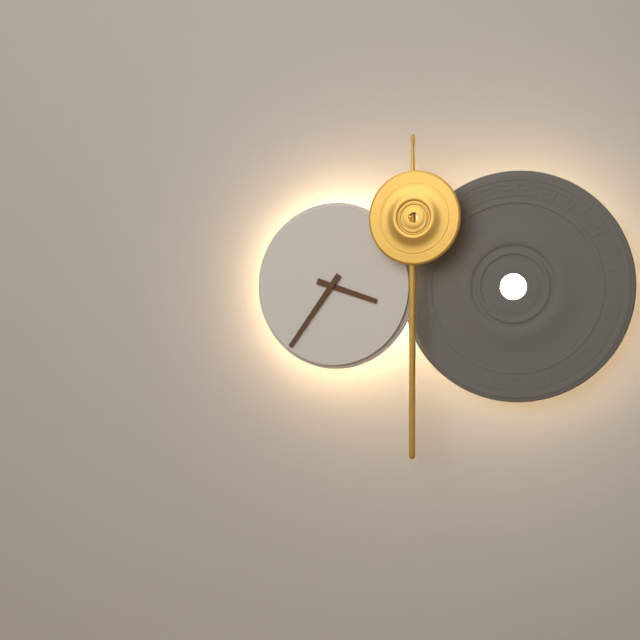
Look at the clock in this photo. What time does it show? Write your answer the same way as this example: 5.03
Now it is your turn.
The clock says 3.36
